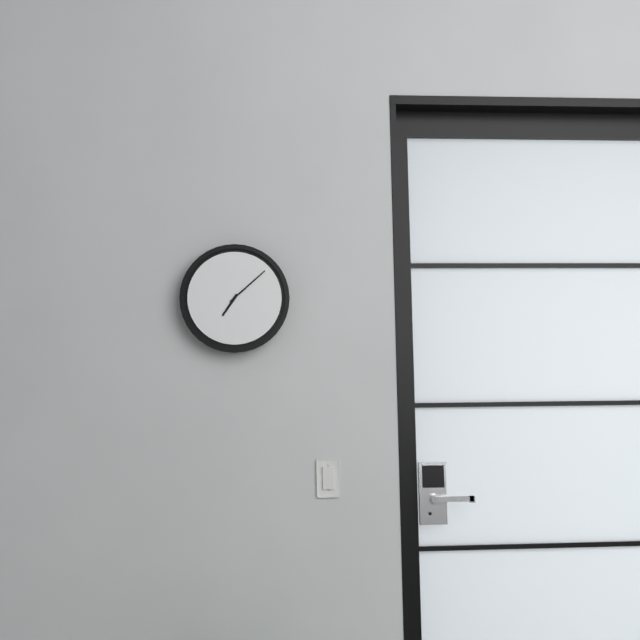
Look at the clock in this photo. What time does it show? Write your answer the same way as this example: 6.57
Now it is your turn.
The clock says 7.08
